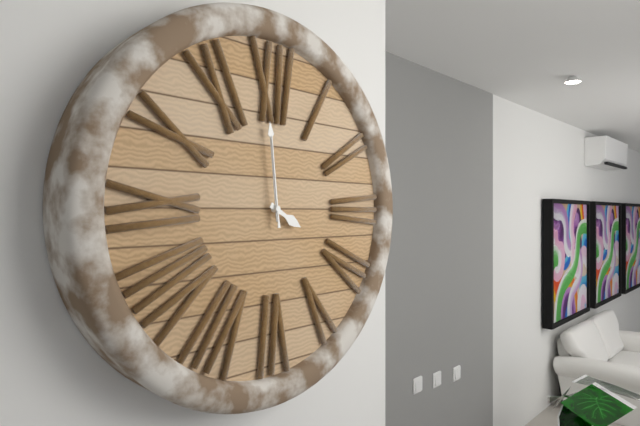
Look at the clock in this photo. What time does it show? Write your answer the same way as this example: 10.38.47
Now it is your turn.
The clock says 3.59.59
